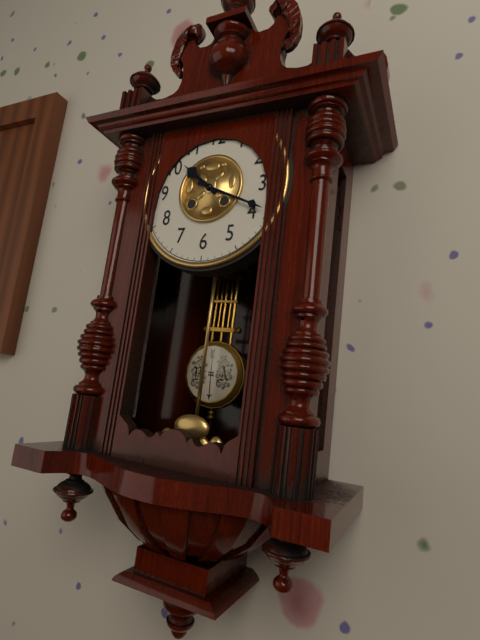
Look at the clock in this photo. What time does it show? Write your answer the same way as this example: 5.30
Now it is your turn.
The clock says 10.19
